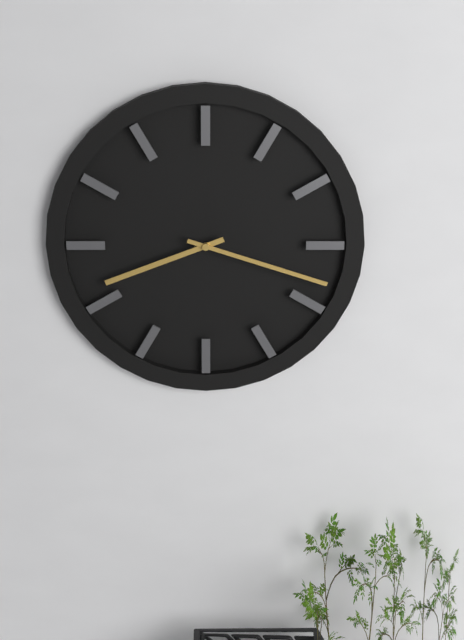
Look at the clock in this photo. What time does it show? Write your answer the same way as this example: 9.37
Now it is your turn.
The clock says 8.18
